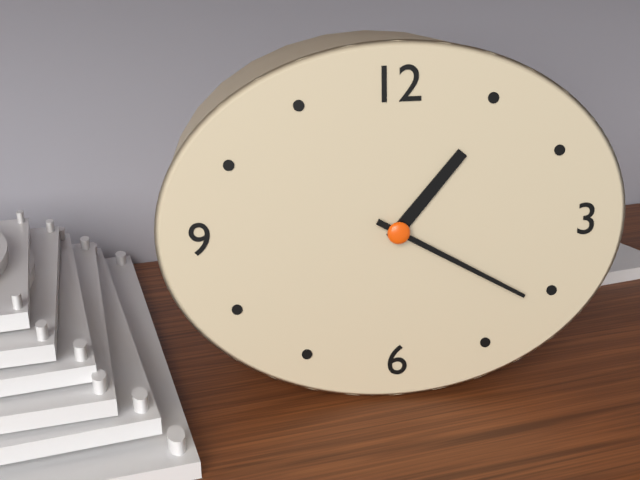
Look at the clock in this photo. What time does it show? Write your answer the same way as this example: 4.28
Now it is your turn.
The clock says 1.20
